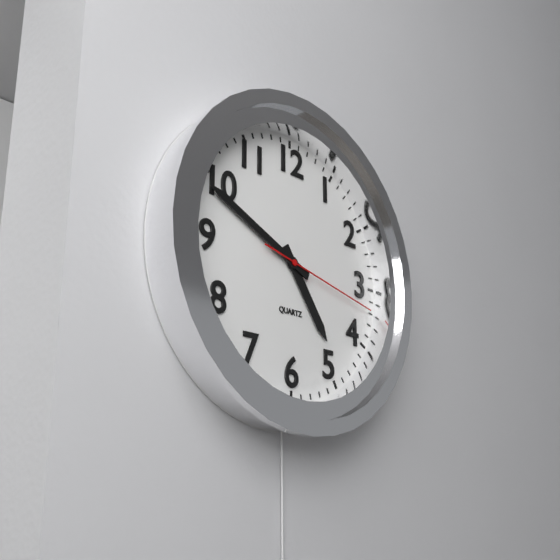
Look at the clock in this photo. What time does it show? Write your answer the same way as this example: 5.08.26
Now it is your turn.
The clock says 4.49.17
